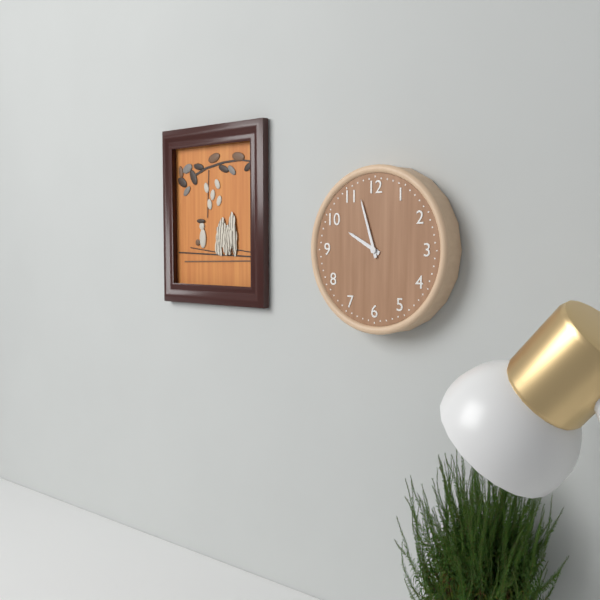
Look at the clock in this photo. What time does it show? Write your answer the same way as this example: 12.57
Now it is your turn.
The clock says 9.57
